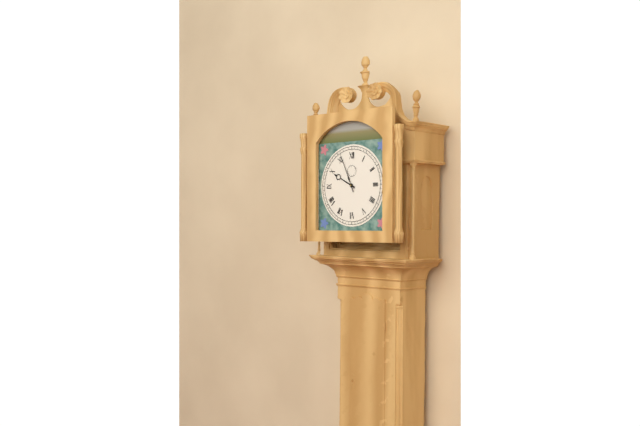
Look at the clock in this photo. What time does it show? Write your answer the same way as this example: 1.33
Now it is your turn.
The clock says 9.56
